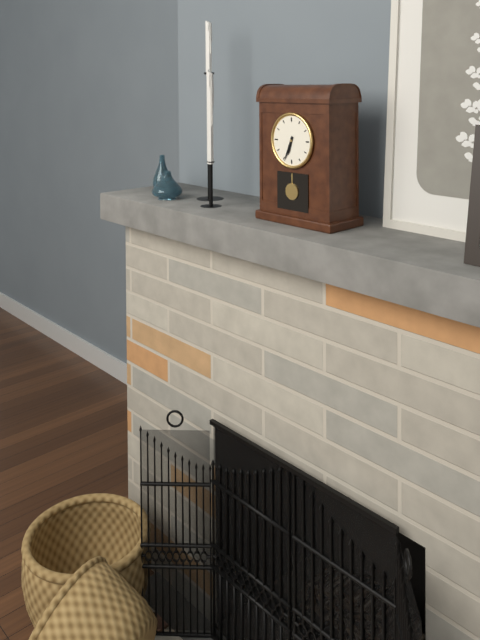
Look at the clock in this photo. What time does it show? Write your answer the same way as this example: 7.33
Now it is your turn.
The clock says 6.34
